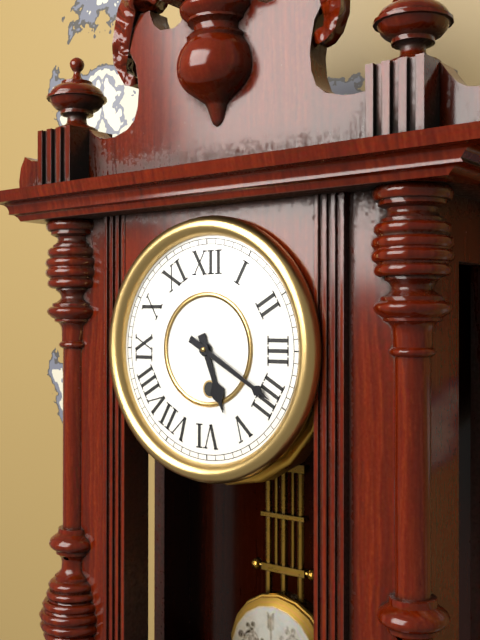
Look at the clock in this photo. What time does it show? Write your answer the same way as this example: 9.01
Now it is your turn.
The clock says 5.20
